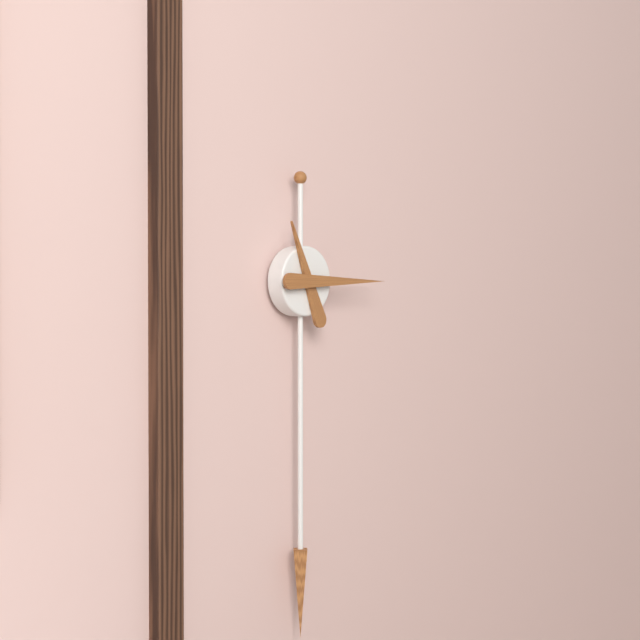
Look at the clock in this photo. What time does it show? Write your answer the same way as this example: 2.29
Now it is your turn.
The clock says 11.15
